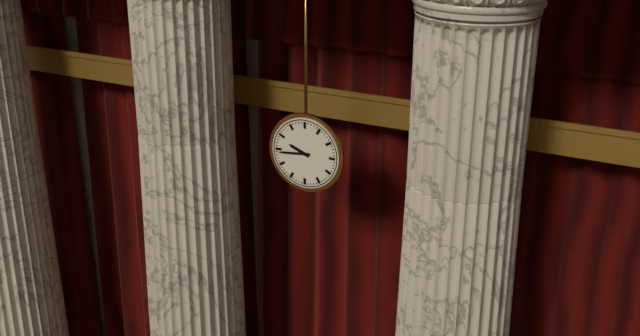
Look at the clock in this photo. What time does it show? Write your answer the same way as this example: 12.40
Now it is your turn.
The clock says 9.44
